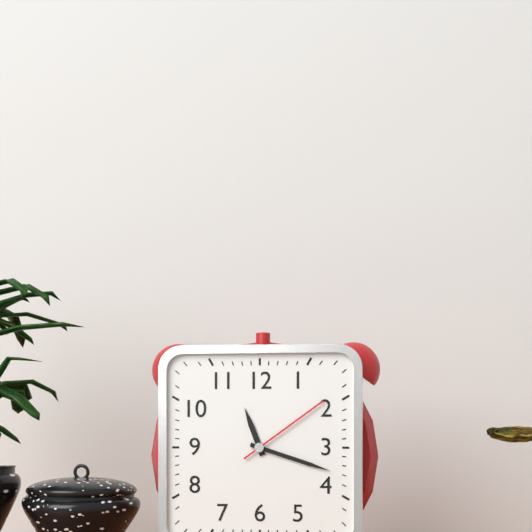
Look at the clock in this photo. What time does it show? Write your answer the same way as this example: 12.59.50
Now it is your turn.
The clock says 11.18.09
